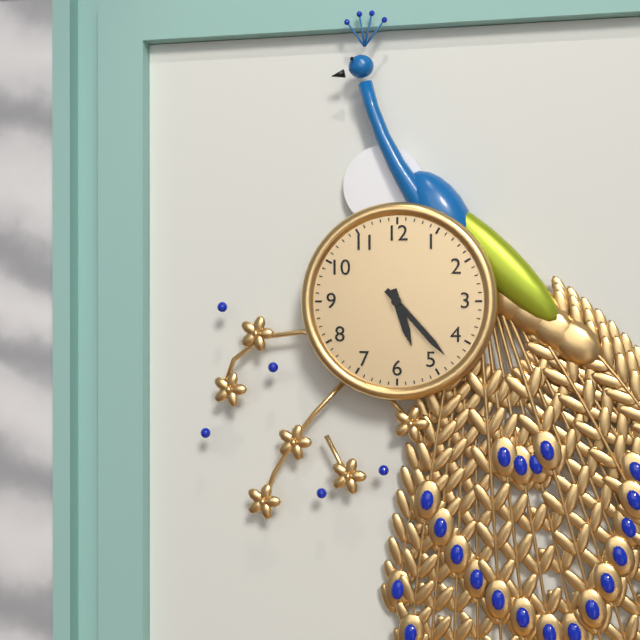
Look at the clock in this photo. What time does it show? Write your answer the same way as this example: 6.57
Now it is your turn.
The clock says 5.23
